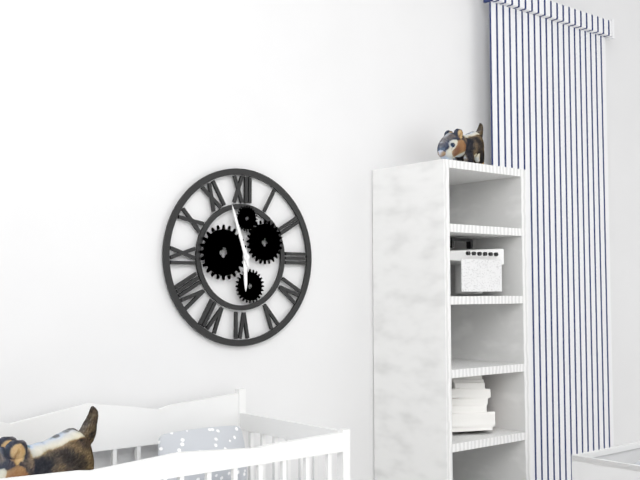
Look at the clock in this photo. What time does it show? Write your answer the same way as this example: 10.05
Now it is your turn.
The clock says 5.57
